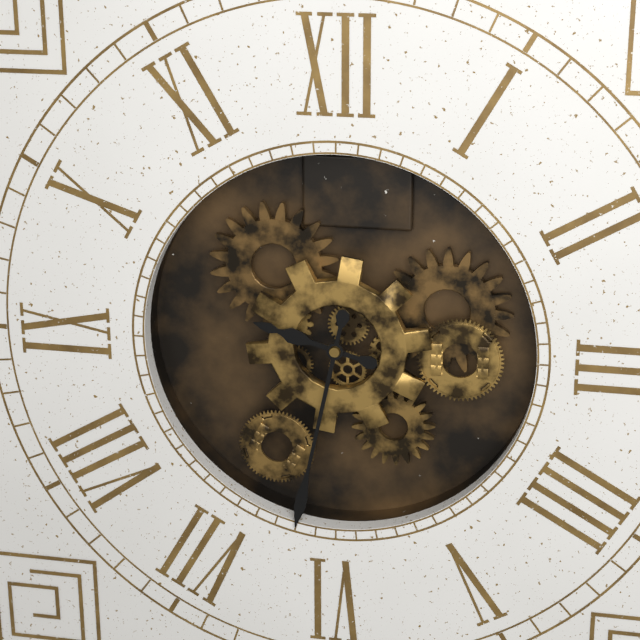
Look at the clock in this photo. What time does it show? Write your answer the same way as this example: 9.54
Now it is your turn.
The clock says 9.32
